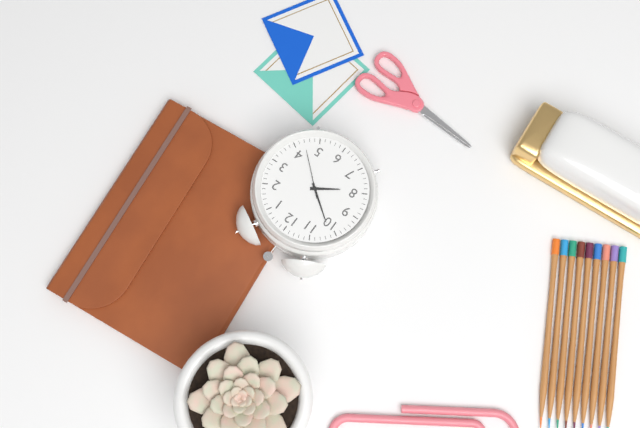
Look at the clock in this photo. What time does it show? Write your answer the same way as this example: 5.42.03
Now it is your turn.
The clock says 7.51.22
